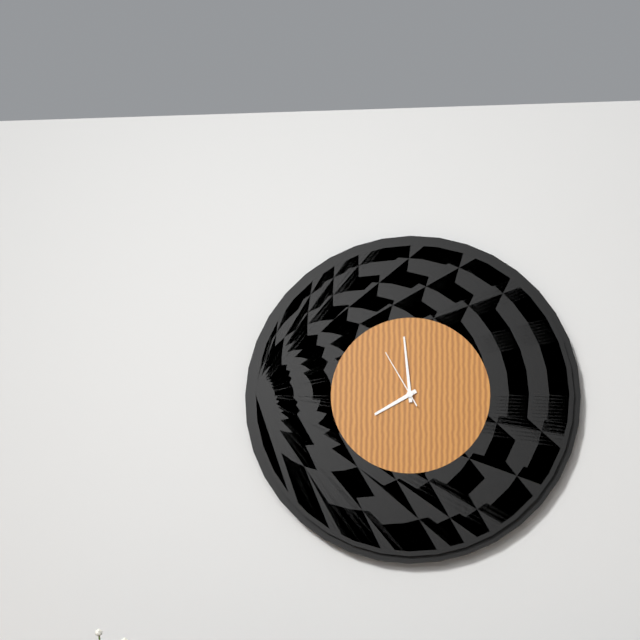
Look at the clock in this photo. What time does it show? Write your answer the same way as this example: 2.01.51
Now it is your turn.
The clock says 7.59.55
